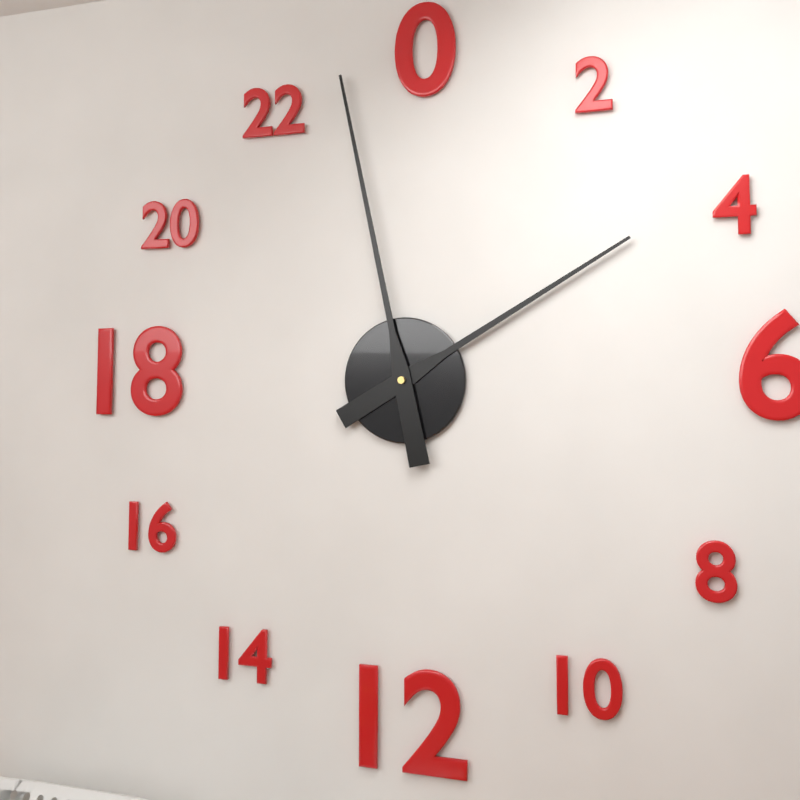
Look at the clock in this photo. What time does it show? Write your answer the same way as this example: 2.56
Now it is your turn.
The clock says 1.58
